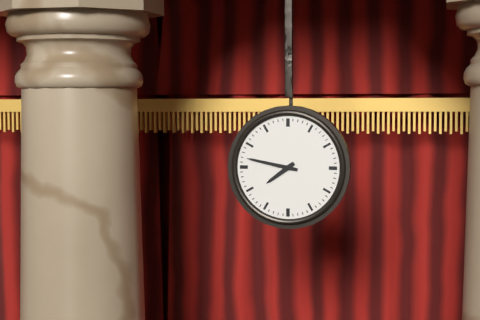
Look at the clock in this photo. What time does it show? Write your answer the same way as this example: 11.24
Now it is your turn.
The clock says 7.47
